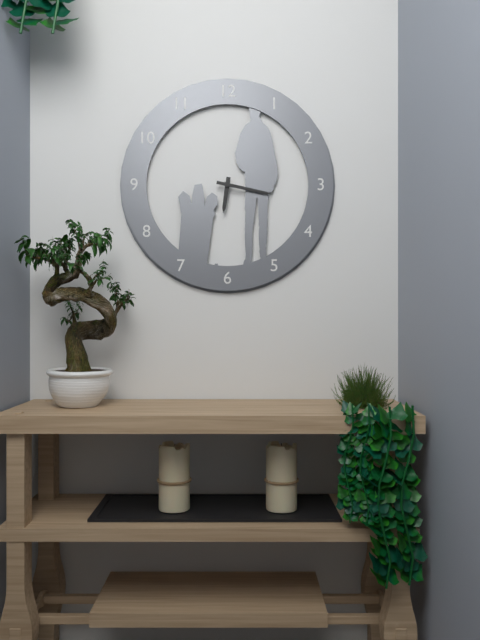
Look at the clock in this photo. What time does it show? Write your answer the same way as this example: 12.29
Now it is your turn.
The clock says 6.17
